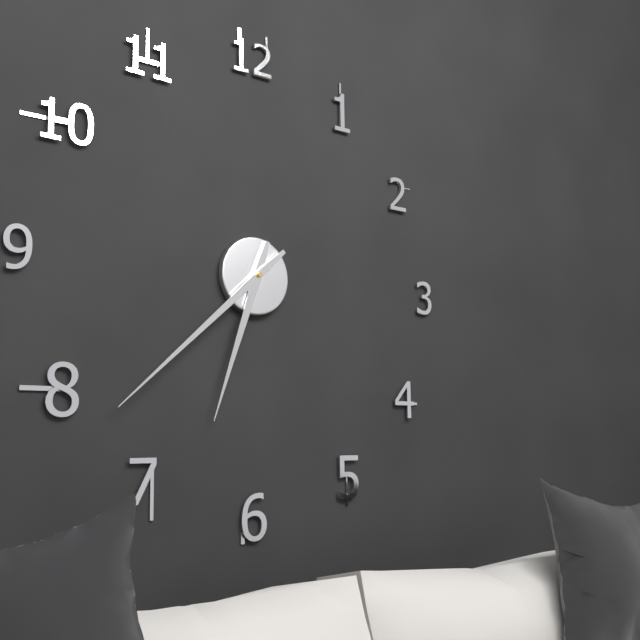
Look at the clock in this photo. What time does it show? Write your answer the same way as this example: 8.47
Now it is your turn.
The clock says 6.38
